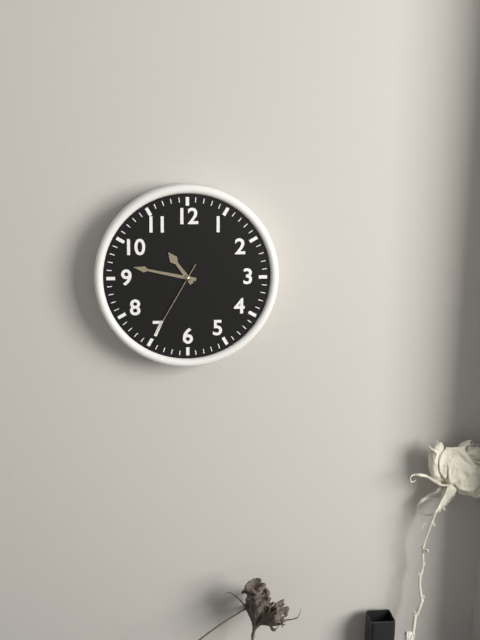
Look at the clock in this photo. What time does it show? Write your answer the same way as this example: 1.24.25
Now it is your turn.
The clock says 10.47.35
